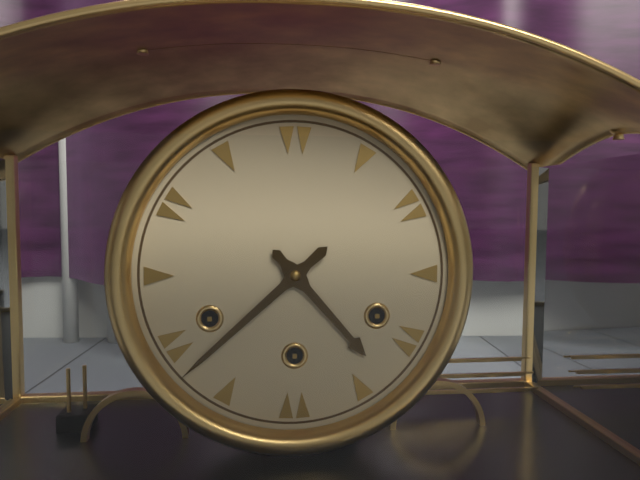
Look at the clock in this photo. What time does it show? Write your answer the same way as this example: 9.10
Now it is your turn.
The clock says 4.38
